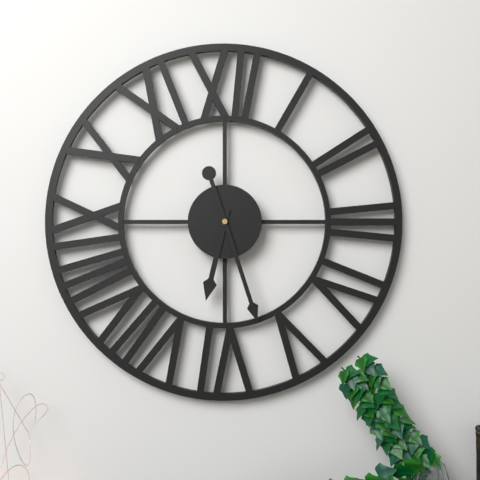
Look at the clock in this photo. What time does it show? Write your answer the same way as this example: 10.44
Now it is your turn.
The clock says 6.27
